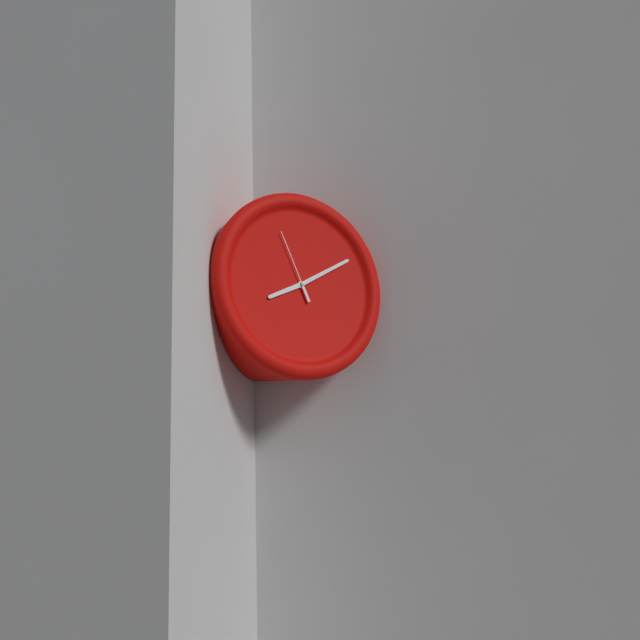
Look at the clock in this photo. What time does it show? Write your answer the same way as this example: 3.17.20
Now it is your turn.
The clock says 8.10.56
